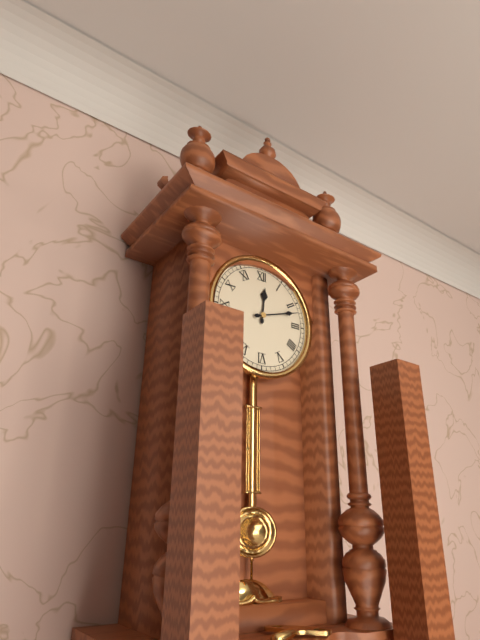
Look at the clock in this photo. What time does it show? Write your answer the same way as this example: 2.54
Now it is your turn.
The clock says 12.12
